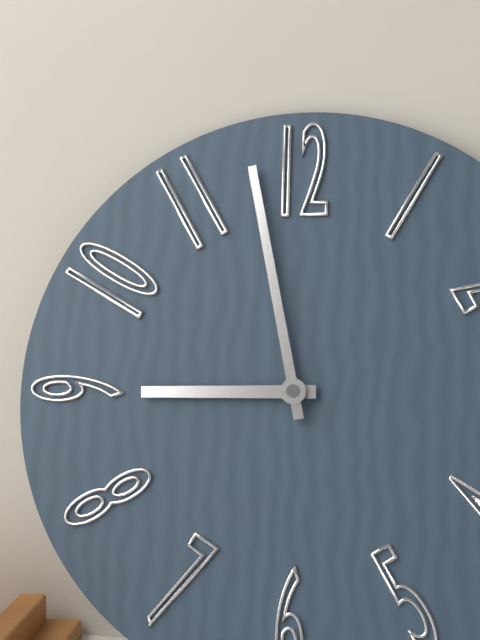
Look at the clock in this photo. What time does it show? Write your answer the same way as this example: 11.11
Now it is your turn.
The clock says 8.58
